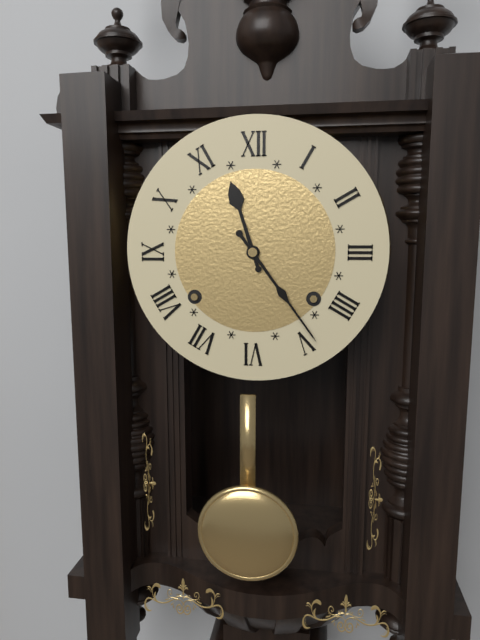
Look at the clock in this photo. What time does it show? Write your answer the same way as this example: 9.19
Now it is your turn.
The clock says 11.24
